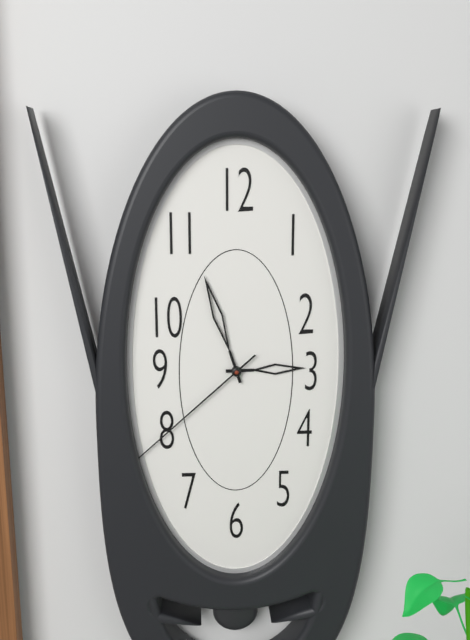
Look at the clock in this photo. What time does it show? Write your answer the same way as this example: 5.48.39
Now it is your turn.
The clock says 2.57.38
